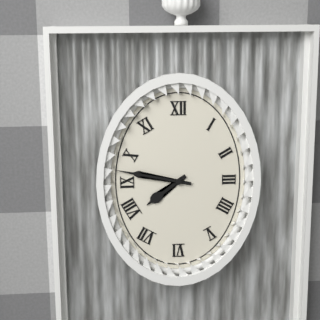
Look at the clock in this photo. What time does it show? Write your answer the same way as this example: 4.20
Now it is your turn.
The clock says 7.47
